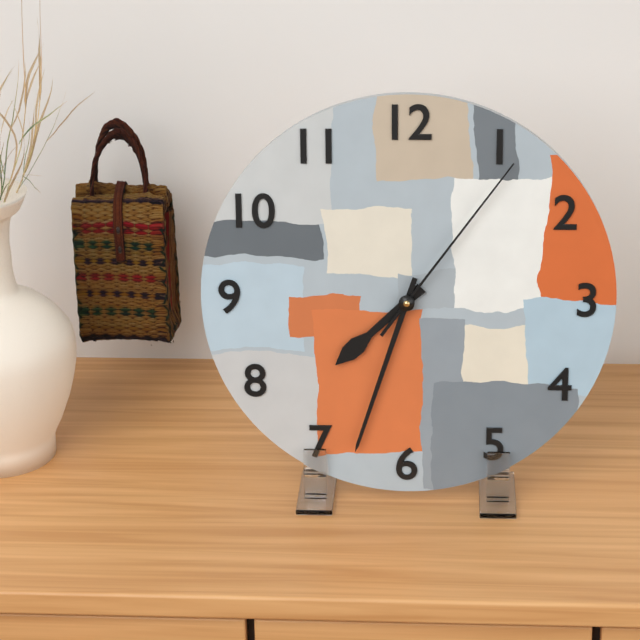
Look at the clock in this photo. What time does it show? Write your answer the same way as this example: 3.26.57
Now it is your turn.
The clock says 7.33.06
